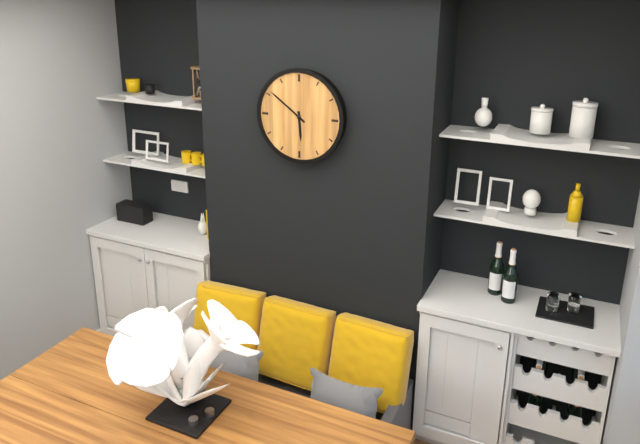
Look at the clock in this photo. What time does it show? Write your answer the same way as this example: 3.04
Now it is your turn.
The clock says 5.51
